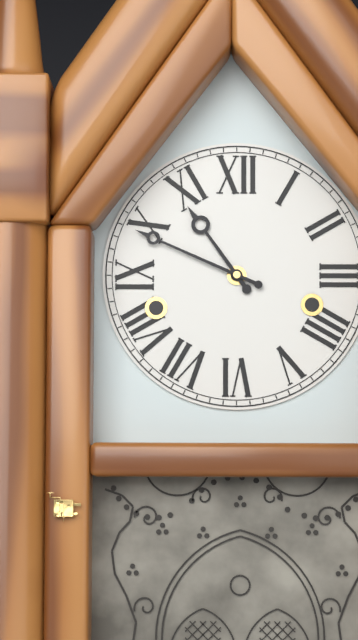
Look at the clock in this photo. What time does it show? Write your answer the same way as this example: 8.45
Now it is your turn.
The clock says 10.49
